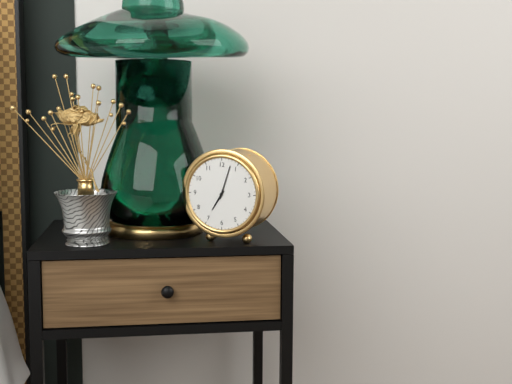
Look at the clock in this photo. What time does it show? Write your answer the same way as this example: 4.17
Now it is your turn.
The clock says 7.03
